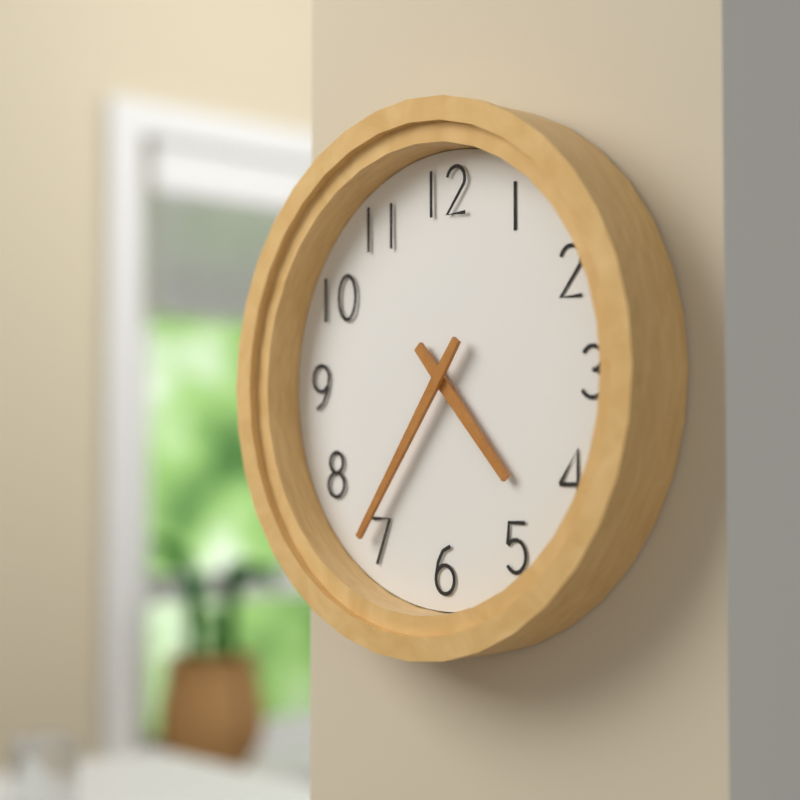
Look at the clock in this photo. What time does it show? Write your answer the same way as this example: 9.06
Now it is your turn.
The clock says 4.36
